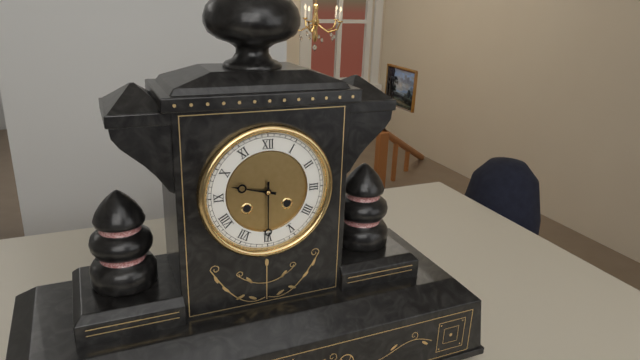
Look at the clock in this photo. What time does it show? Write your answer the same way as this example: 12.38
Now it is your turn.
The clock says 9.30
